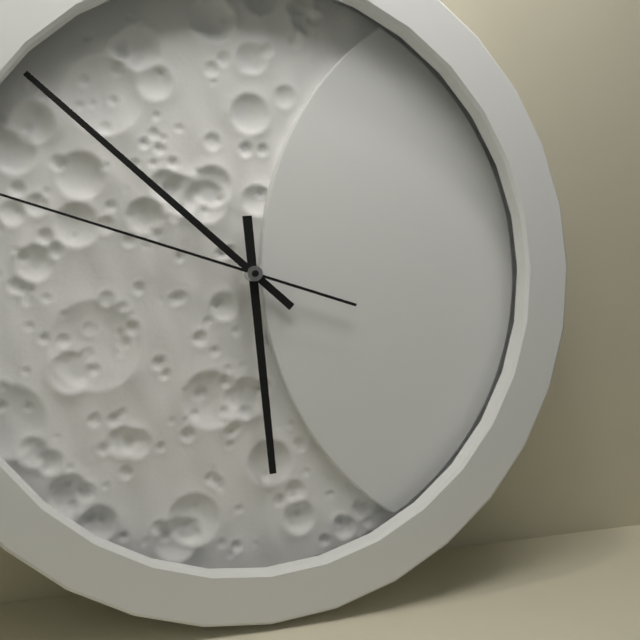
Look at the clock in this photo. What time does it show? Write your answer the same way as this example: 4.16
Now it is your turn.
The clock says 5.52
